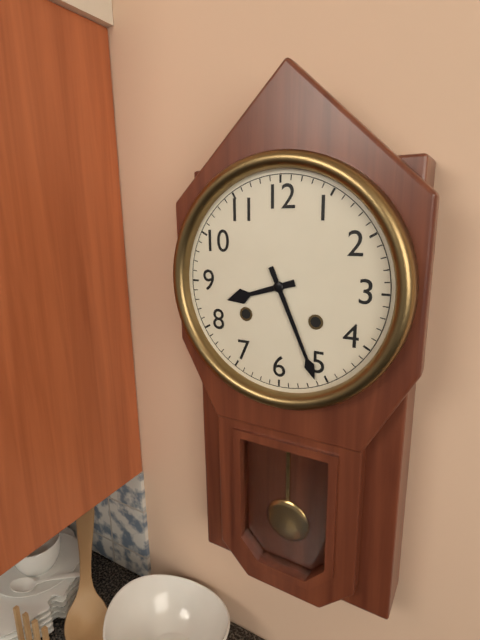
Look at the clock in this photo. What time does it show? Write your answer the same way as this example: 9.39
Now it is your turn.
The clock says 8.26
